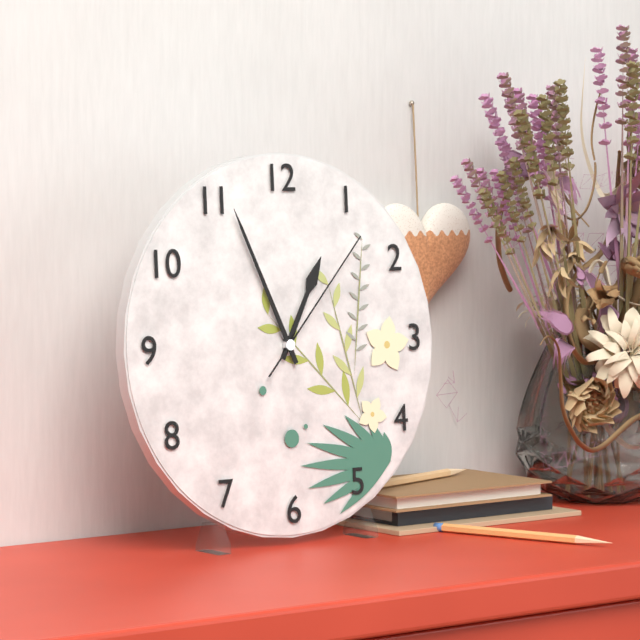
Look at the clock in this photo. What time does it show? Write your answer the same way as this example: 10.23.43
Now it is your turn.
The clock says 12.56.07
